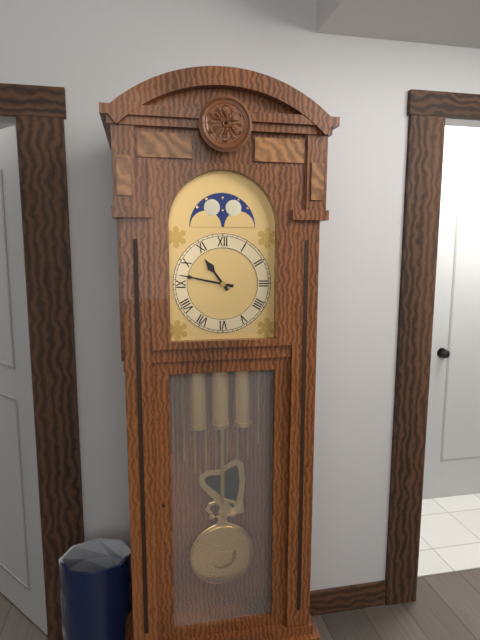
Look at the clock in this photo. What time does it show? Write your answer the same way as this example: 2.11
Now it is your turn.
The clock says 10.47
